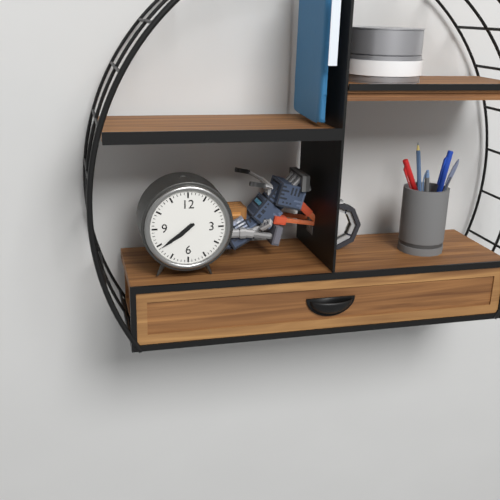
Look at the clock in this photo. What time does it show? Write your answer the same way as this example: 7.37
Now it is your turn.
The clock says 7.39
